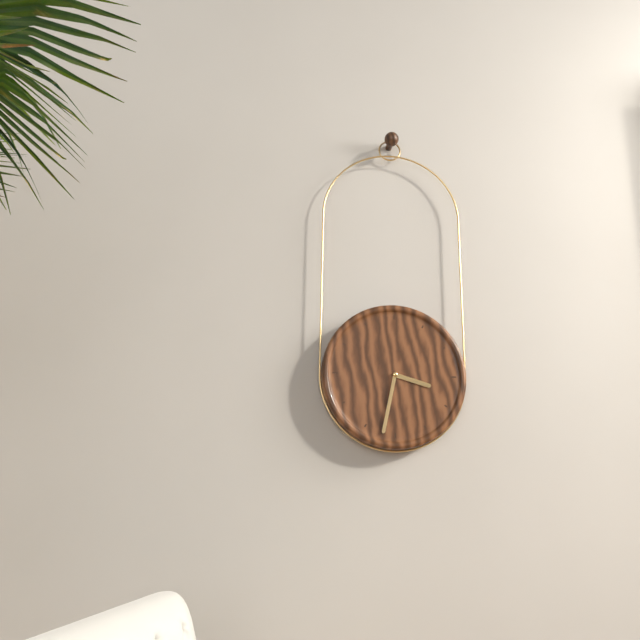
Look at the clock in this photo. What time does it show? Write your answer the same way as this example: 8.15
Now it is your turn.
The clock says 3.32
